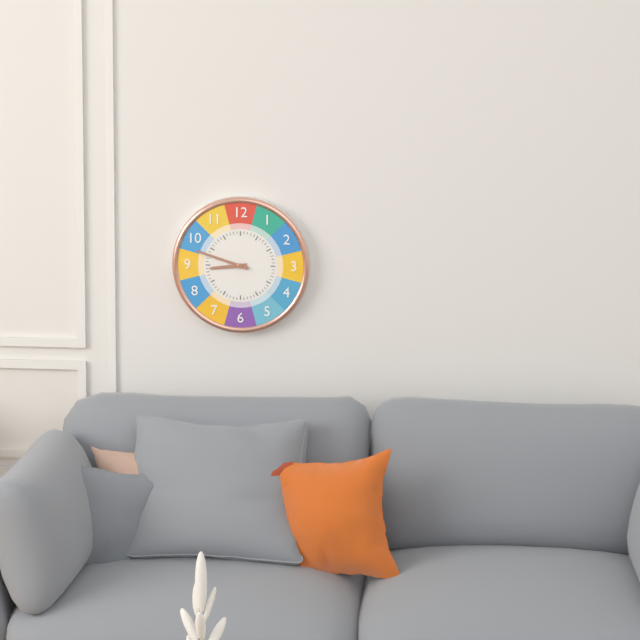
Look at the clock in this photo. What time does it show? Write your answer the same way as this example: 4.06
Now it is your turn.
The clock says 8.48
